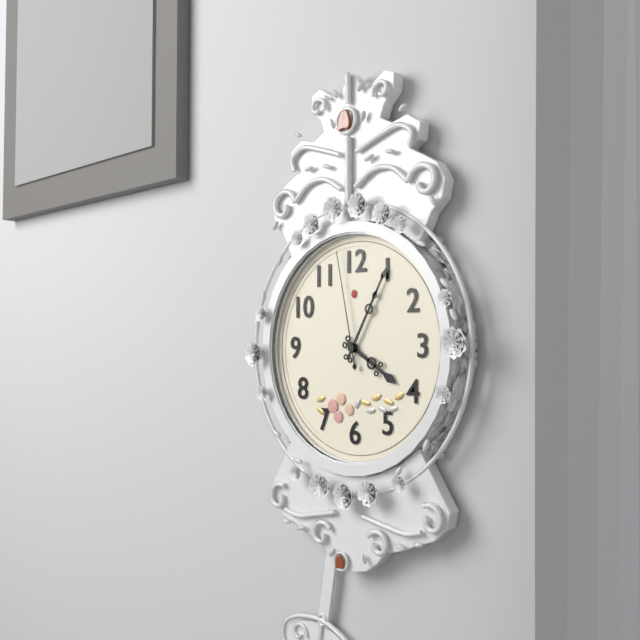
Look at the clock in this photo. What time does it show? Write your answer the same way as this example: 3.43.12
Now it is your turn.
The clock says 4.05.58
